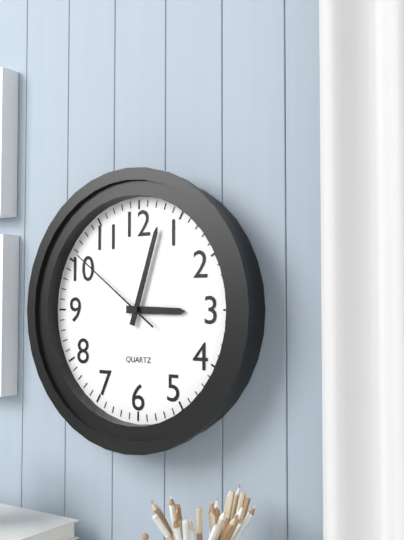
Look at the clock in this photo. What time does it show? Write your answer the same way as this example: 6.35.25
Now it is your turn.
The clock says 3.03.51
